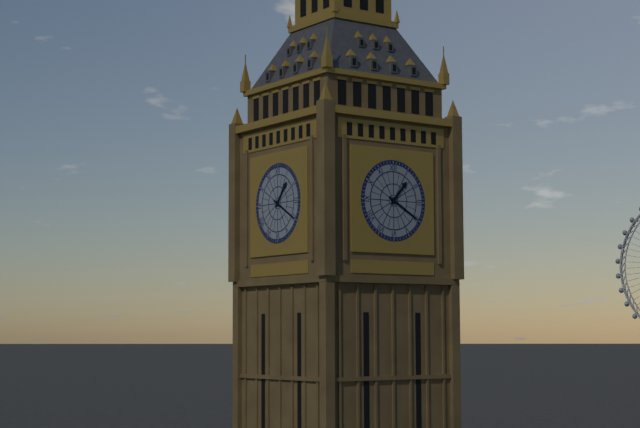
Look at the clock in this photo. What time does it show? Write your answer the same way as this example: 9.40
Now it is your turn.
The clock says 1.20
